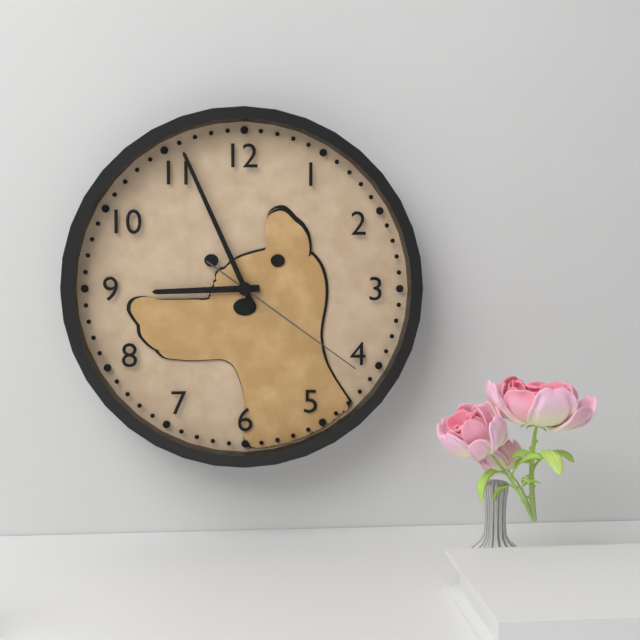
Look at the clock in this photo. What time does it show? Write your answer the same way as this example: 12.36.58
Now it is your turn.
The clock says 8.56.21
